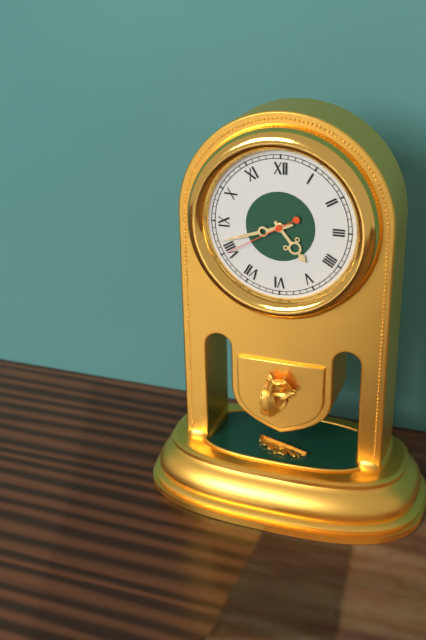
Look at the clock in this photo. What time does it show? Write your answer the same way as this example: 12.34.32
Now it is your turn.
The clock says 4.42.40
